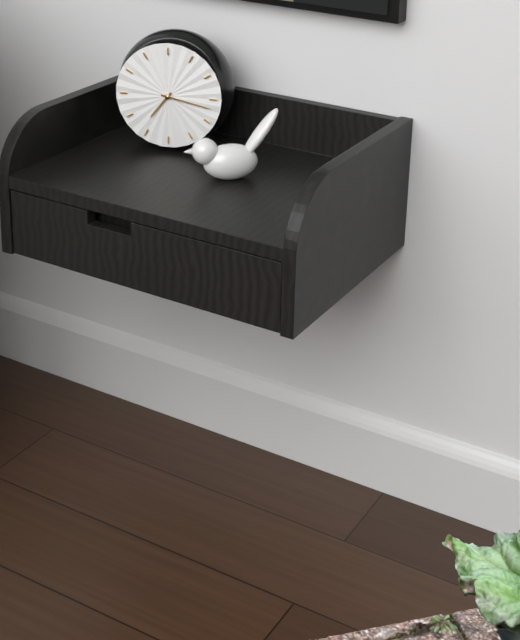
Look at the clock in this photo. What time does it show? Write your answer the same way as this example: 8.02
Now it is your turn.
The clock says 7.17
